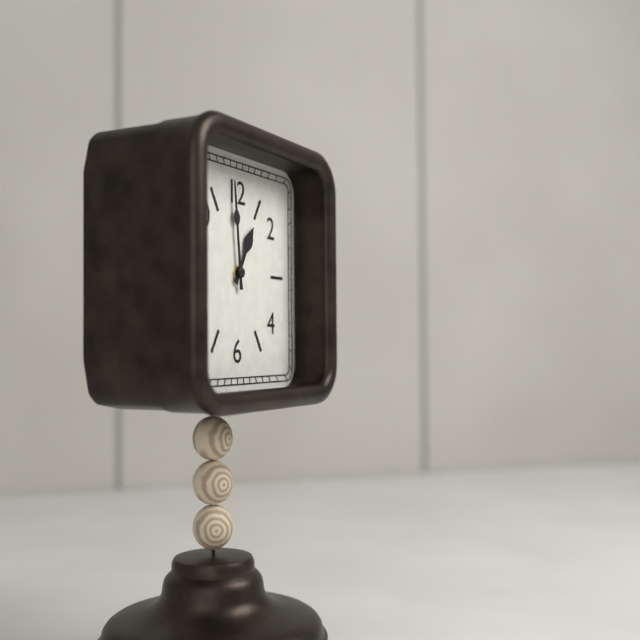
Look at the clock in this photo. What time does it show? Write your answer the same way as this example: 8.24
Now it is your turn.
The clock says 12.59
